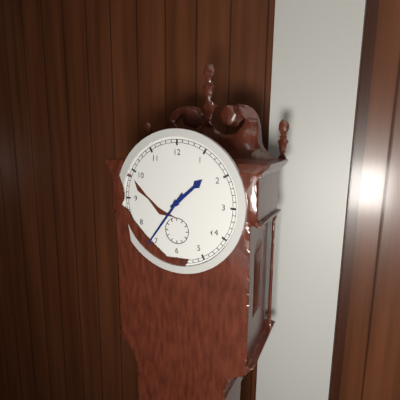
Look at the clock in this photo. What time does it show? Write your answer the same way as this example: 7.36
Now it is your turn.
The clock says 1.36
